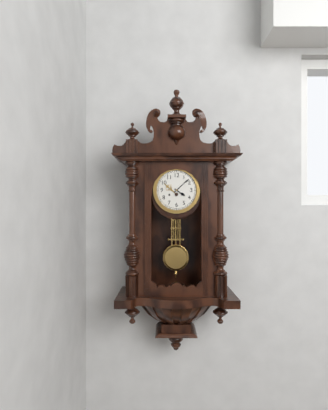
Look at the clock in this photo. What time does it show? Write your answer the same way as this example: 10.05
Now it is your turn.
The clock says 4.08
